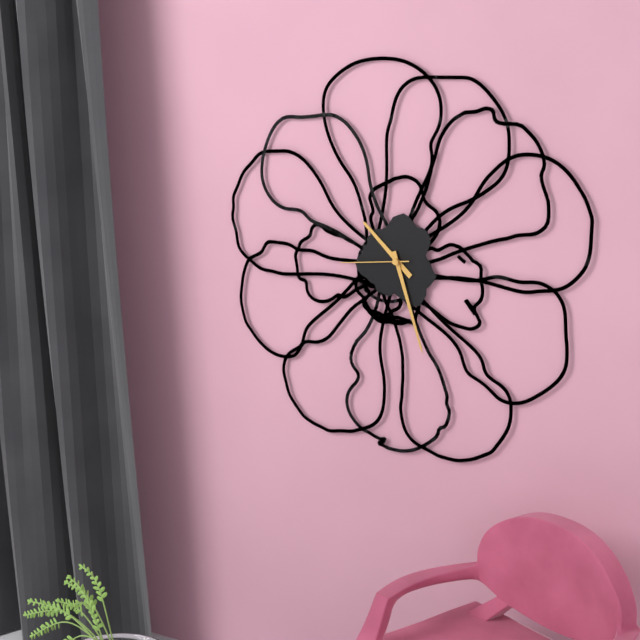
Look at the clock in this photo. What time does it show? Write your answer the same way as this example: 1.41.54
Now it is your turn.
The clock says 10.27.44
